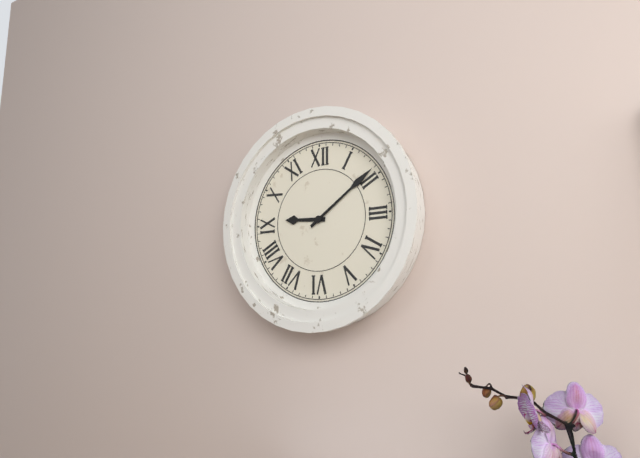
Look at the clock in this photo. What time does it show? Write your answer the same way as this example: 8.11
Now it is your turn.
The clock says 9.09
